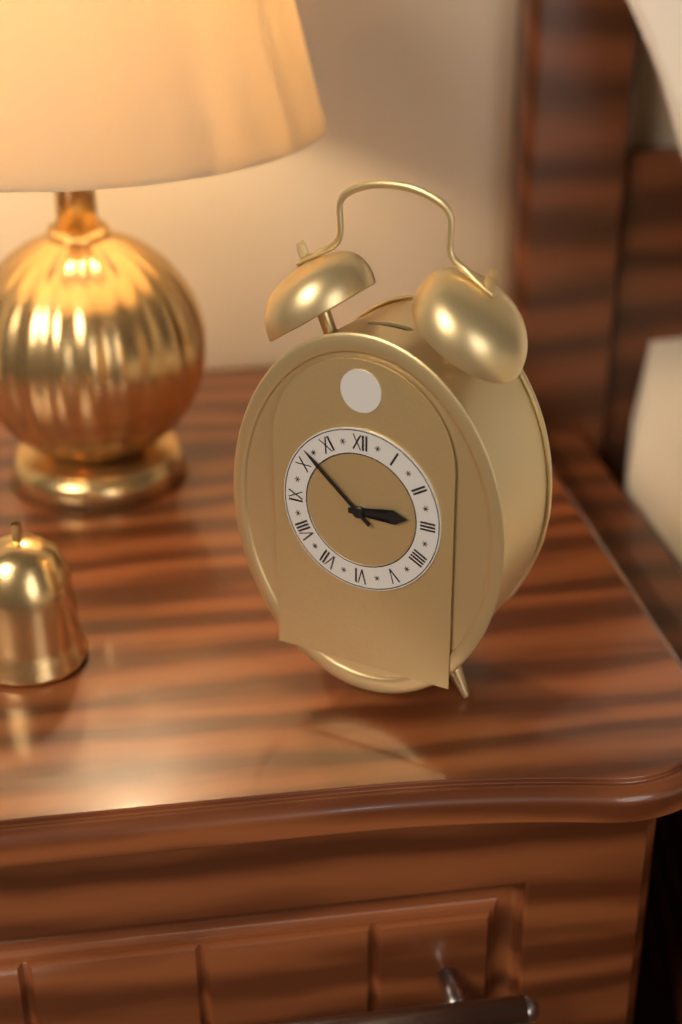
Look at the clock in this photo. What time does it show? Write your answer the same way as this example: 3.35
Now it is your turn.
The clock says 2.52
